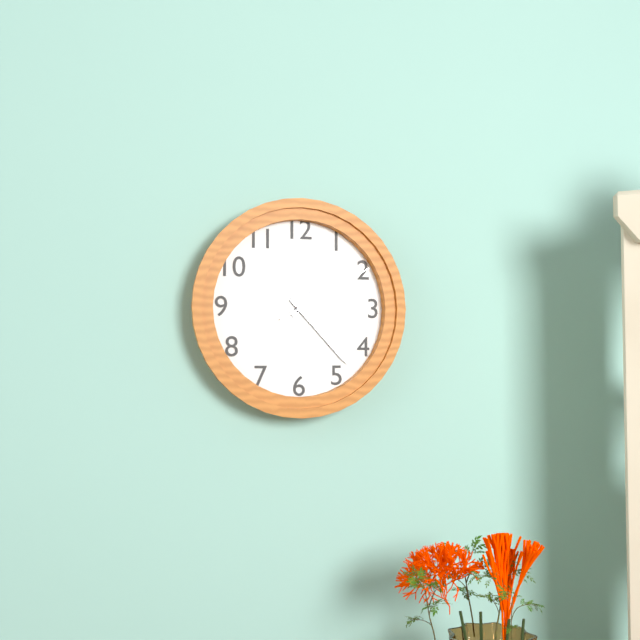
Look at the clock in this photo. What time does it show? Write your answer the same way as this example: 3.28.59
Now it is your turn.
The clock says 1.23.10
